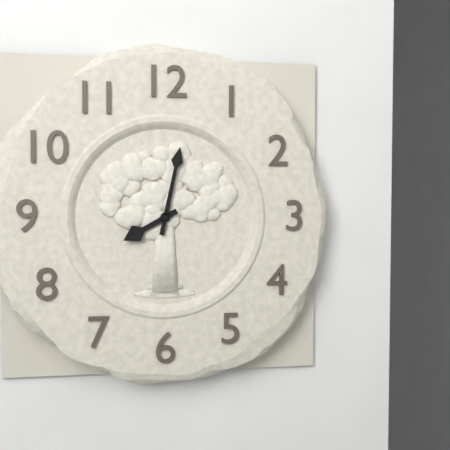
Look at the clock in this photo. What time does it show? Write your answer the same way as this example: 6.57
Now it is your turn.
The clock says 8.02
